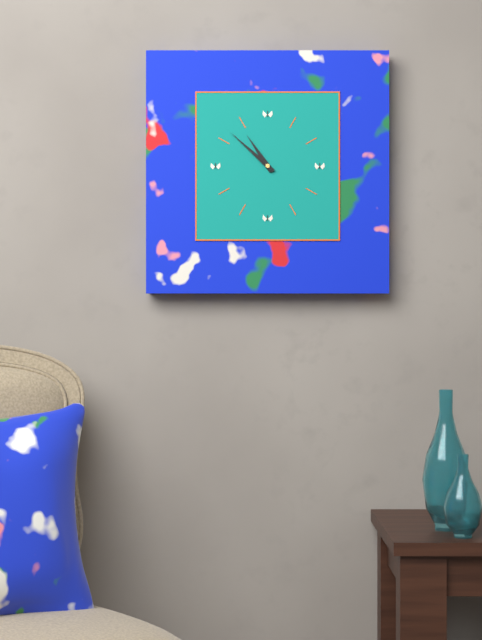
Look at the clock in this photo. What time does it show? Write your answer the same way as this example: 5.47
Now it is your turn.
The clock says 10.52
